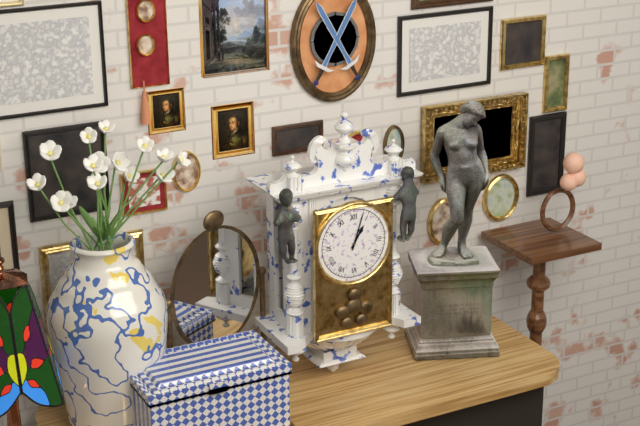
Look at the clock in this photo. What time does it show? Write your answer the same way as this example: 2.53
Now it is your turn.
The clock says 1.03
